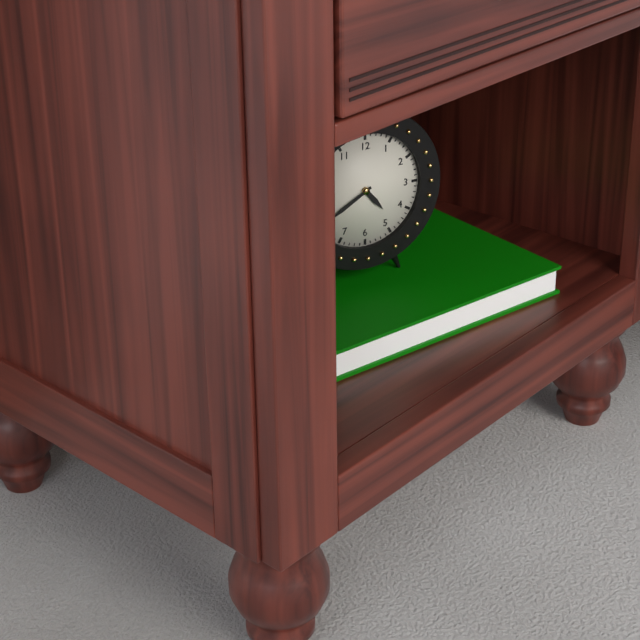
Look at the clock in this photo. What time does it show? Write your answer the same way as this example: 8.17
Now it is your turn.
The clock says 4.40
